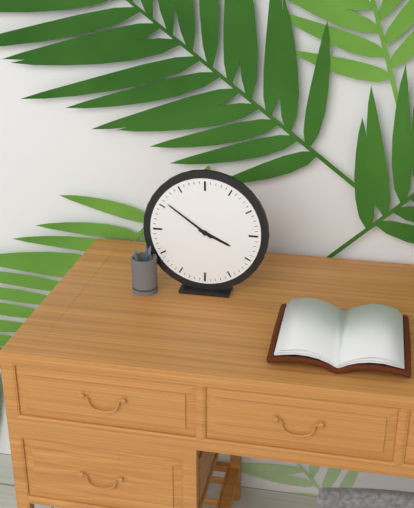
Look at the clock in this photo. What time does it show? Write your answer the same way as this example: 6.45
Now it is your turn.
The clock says 3.51
